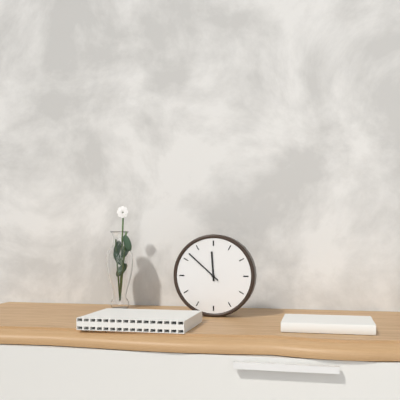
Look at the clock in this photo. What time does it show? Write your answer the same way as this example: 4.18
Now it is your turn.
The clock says 11.52
